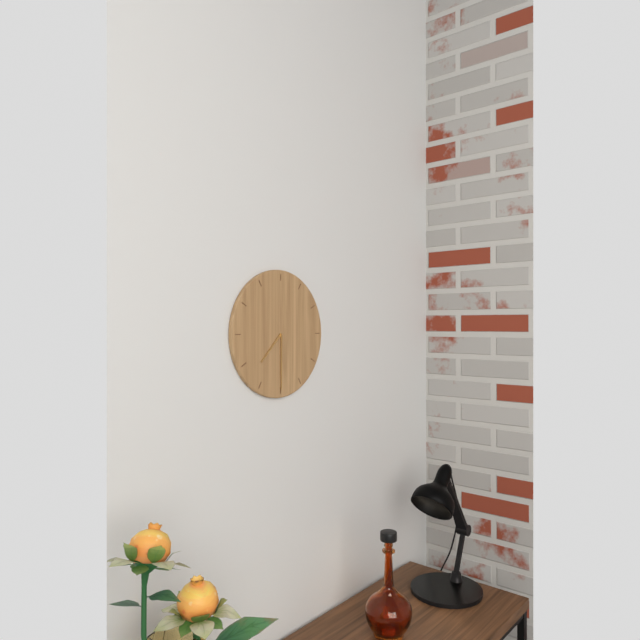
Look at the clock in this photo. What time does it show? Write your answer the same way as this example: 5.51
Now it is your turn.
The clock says 7.30
